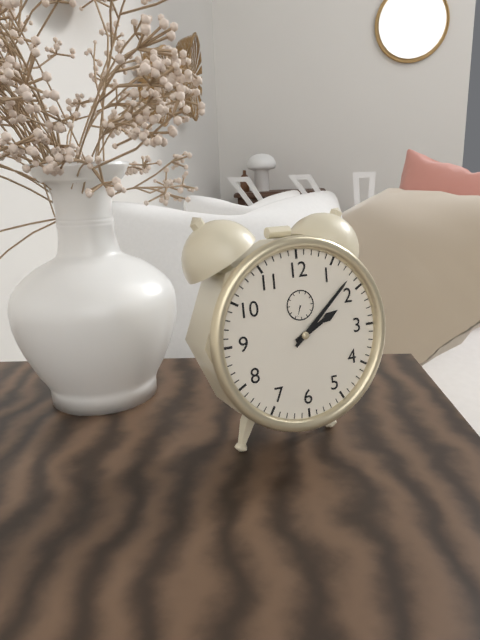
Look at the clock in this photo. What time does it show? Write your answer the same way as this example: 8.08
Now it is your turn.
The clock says 2.08
